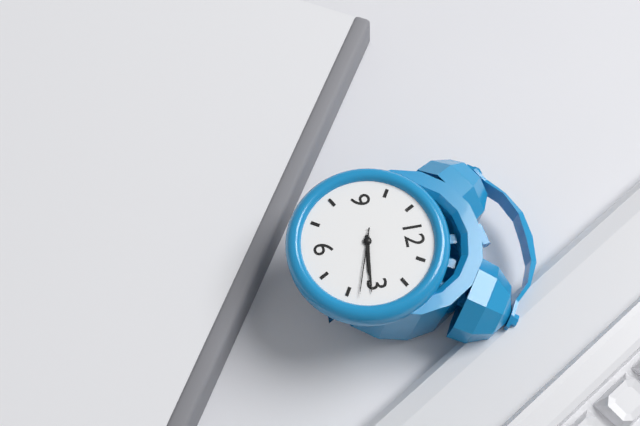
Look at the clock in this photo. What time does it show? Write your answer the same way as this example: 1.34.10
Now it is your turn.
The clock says 3.16.18
